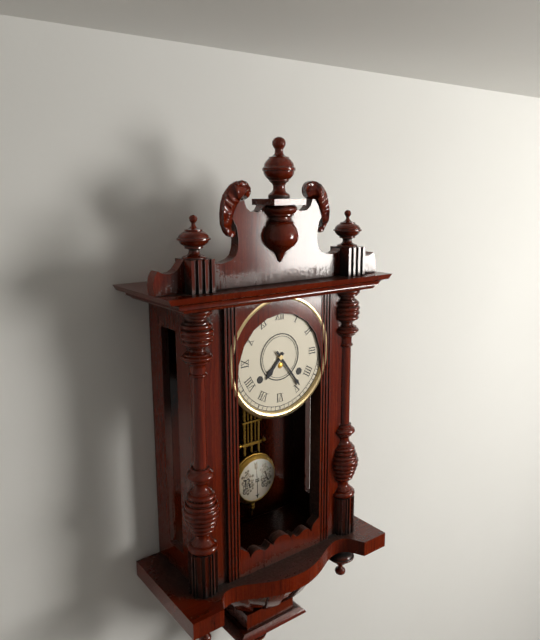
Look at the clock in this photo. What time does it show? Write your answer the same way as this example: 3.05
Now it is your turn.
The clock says 7.24
